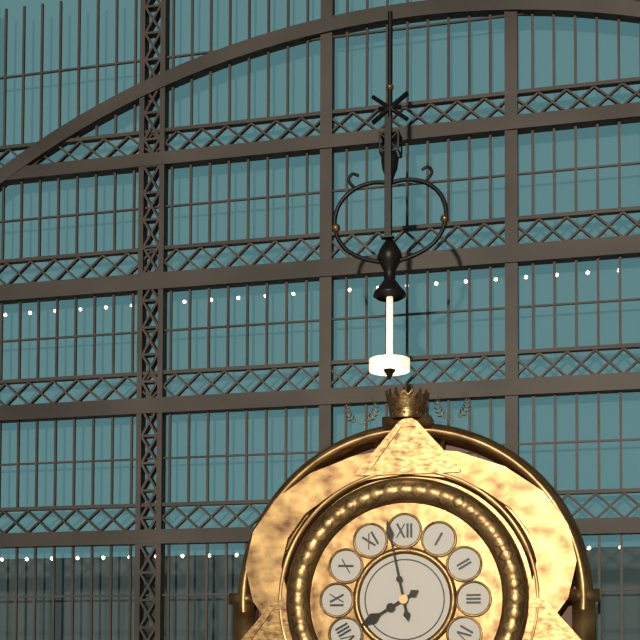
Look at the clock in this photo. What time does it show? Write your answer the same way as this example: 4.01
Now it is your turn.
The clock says 7.58
